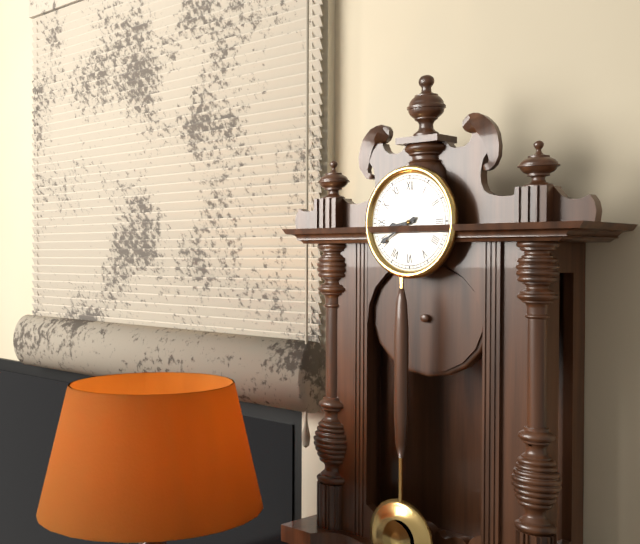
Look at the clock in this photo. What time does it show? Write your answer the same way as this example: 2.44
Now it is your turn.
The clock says 8.40
